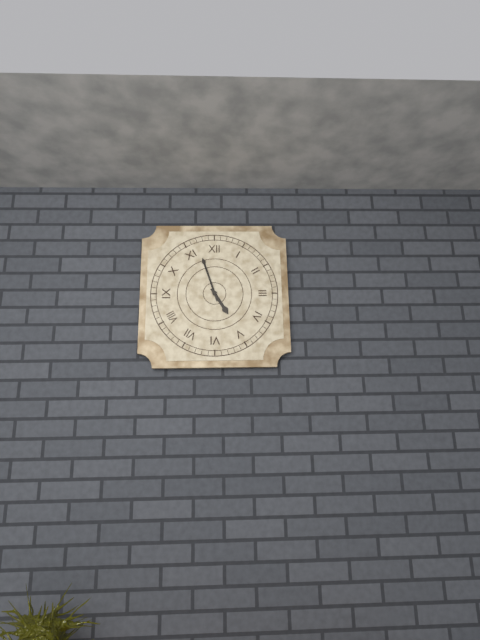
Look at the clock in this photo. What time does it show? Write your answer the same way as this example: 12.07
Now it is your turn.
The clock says 4.57
